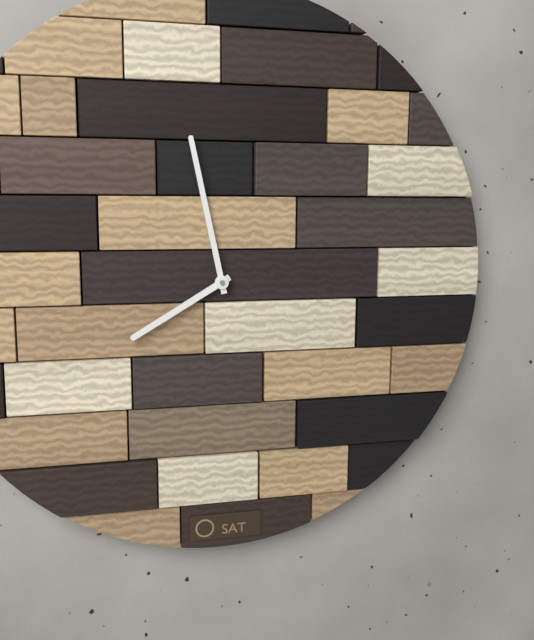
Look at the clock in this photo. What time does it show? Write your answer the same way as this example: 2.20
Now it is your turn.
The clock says 7.58
